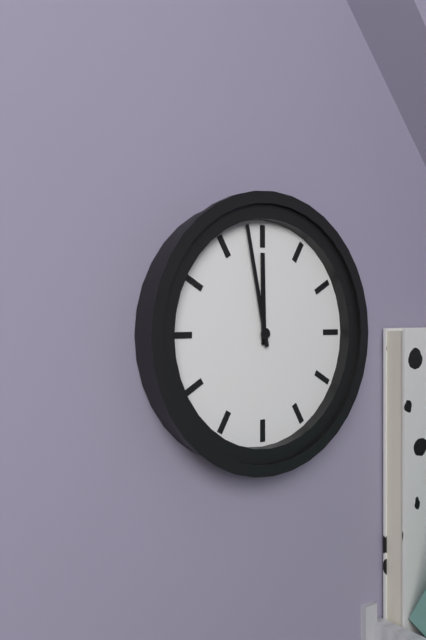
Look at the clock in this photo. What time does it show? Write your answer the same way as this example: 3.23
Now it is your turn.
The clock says 11.58
